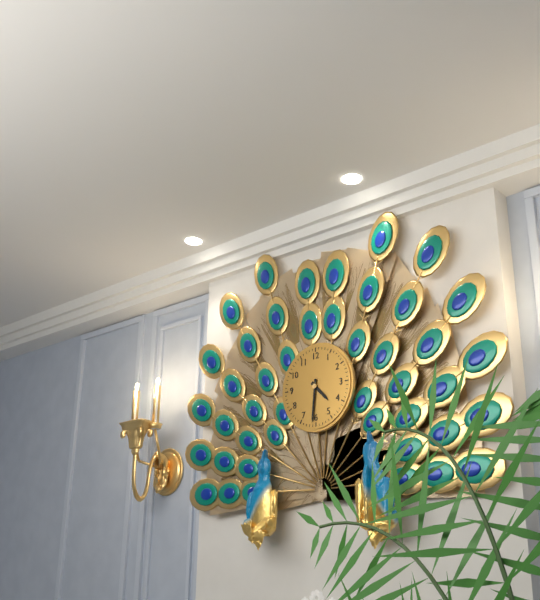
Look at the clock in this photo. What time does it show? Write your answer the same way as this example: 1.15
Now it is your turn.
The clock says 4.31
